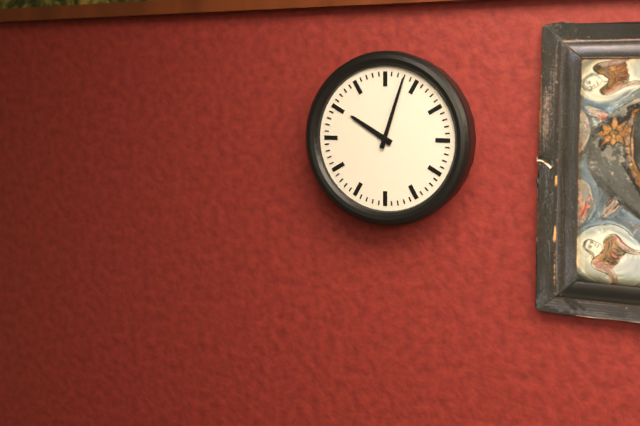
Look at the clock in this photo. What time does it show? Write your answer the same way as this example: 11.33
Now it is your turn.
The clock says 10.03
